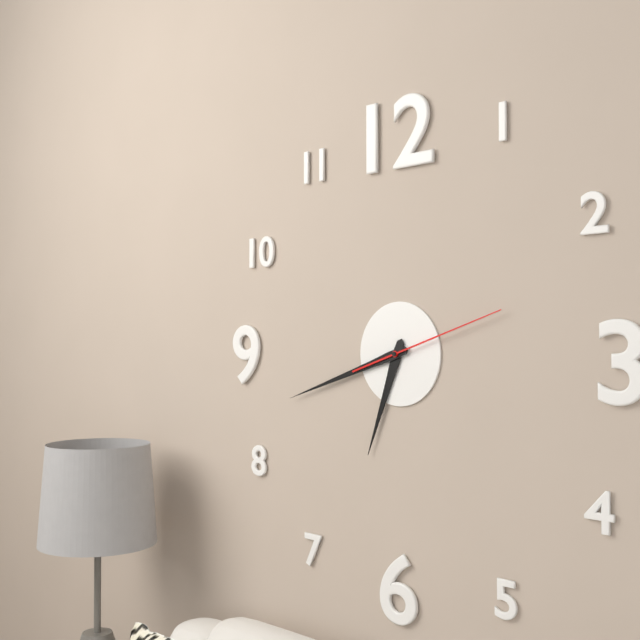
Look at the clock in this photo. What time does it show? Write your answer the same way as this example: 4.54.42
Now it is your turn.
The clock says 6.42.12
